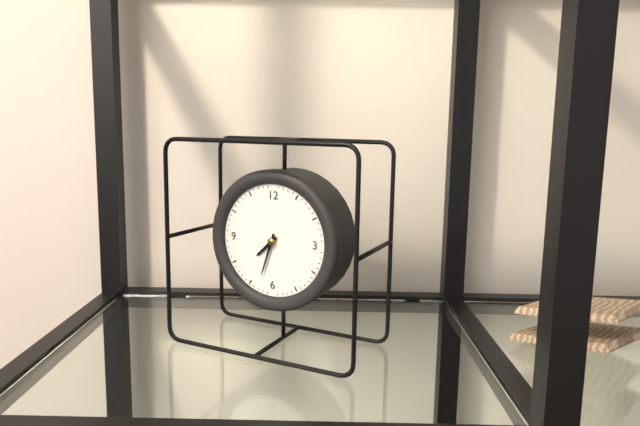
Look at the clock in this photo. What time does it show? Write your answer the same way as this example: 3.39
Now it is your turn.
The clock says 7.33
